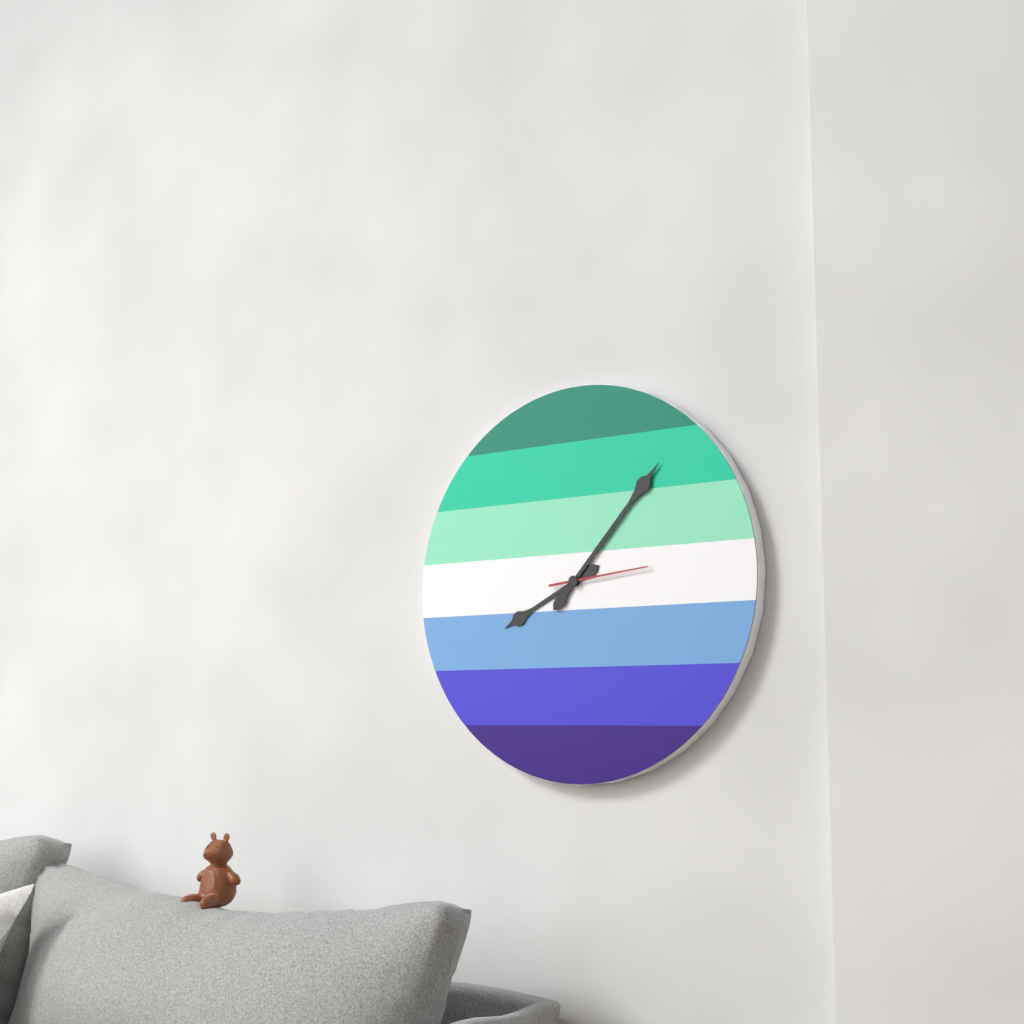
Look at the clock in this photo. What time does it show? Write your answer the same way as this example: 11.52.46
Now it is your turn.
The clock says 8.07.14
